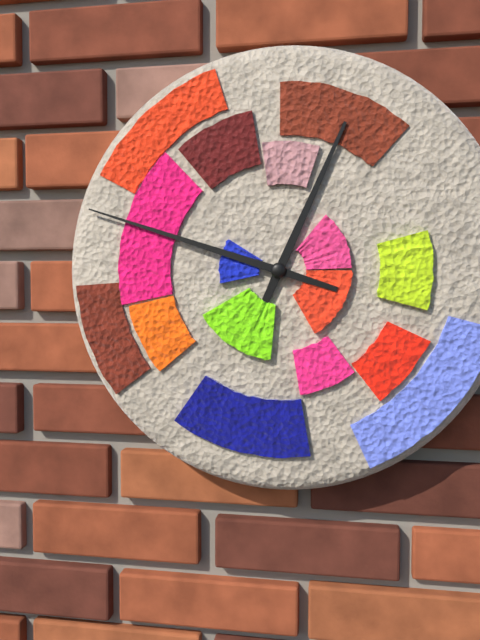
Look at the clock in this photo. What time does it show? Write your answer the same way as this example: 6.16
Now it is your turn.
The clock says 12.48
